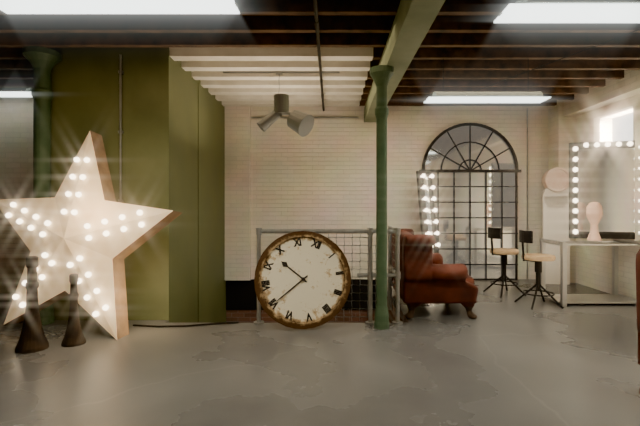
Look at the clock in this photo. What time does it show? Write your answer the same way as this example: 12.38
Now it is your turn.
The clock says 9.35
